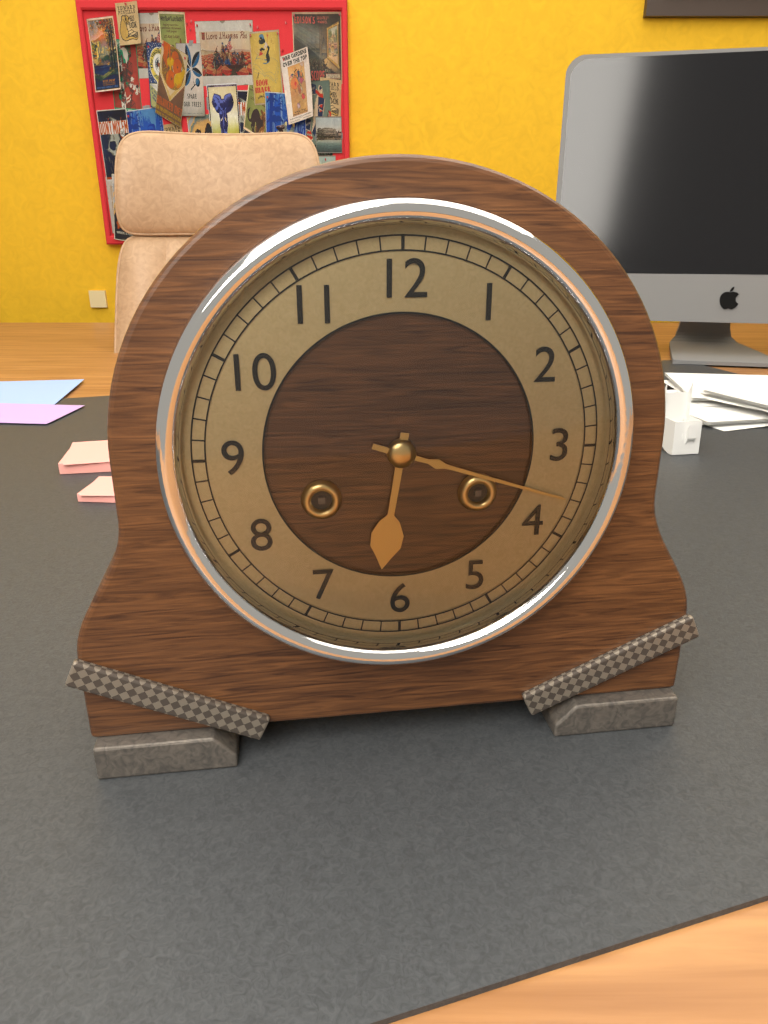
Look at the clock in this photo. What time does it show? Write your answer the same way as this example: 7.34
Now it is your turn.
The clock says 6.18
